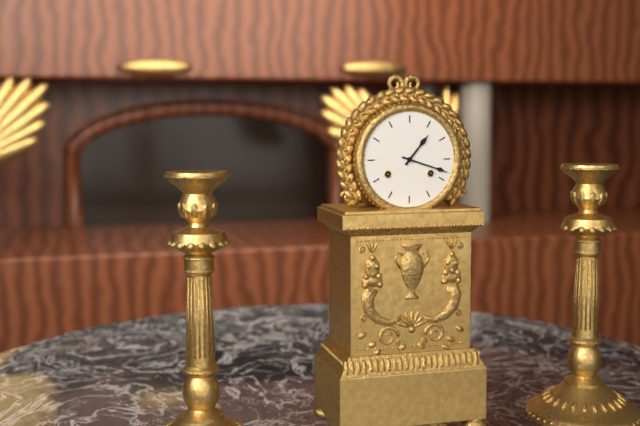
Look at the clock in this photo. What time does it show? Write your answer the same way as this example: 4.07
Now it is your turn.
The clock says 1.18
